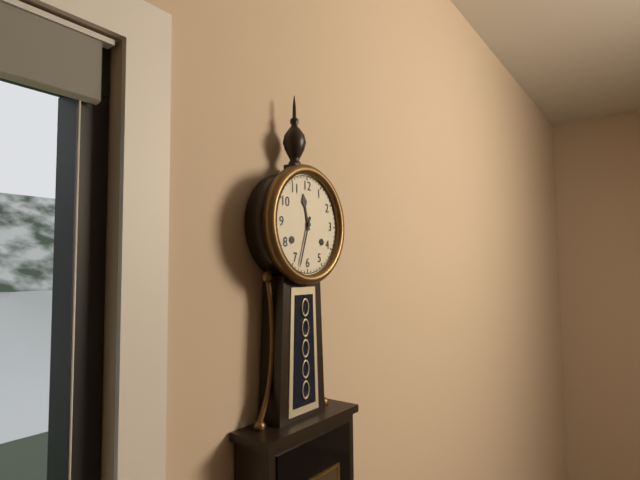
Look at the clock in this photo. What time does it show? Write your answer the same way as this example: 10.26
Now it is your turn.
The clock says 11.33
